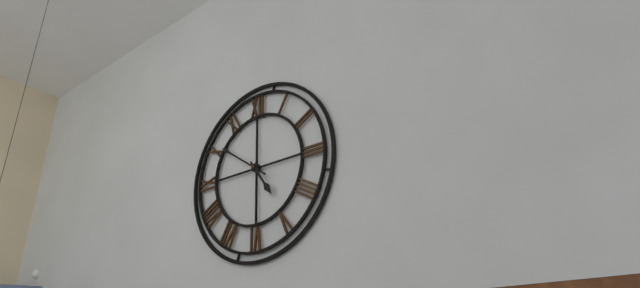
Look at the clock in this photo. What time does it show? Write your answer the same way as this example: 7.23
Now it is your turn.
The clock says 4.51
